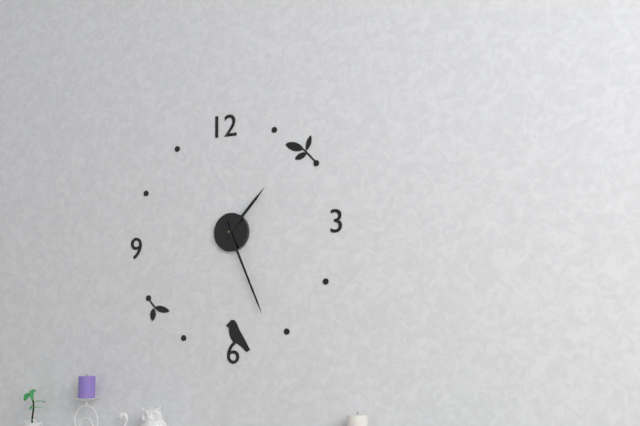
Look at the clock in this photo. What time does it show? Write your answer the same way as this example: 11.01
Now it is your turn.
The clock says 1.26
